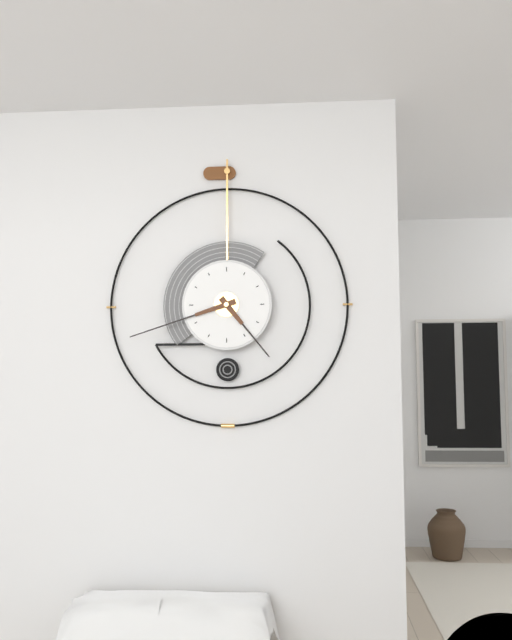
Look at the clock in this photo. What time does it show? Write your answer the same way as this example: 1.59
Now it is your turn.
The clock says 4.42
